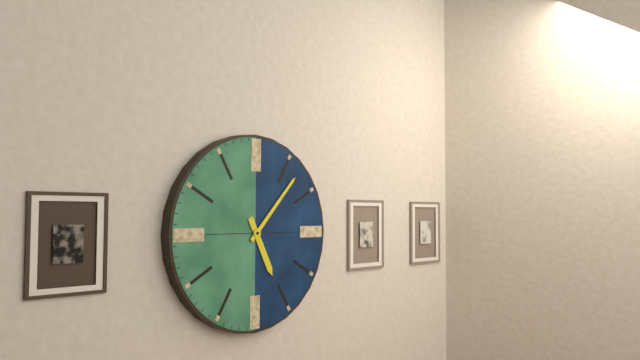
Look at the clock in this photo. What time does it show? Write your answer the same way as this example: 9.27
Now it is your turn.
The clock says 5.07
